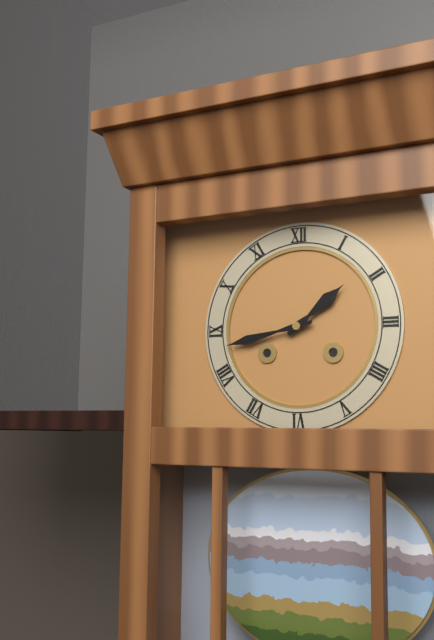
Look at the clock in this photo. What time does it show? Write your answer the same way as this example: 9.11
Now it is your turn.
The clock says 1.43
